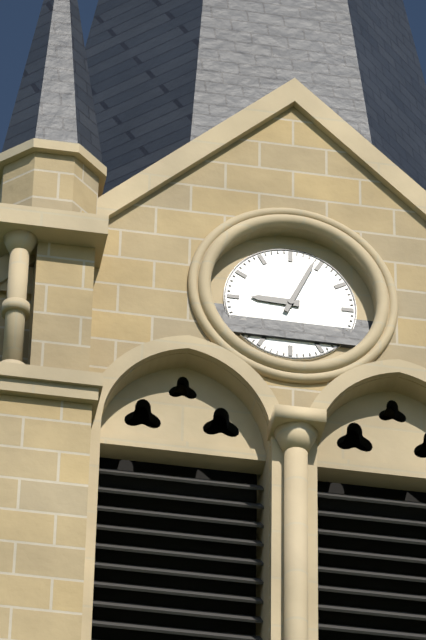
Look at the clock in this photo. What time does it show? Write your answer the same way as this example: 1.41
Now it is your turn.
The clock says 9.04
